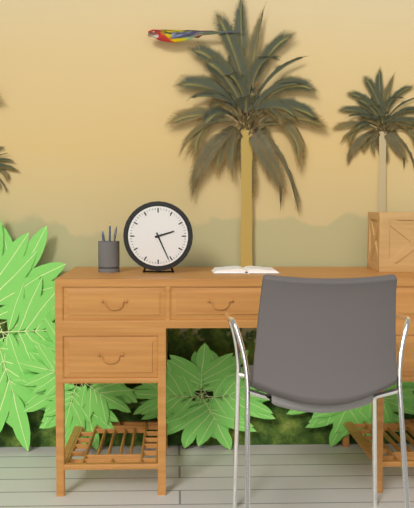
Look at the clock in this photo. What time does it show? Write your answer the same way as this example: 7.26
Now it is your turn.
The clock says 2.26
